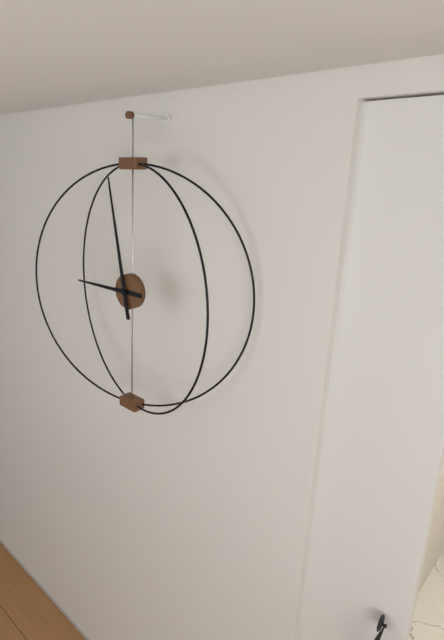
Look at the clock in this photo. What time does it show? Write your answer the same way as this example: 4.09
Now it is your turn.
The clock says 8.58
